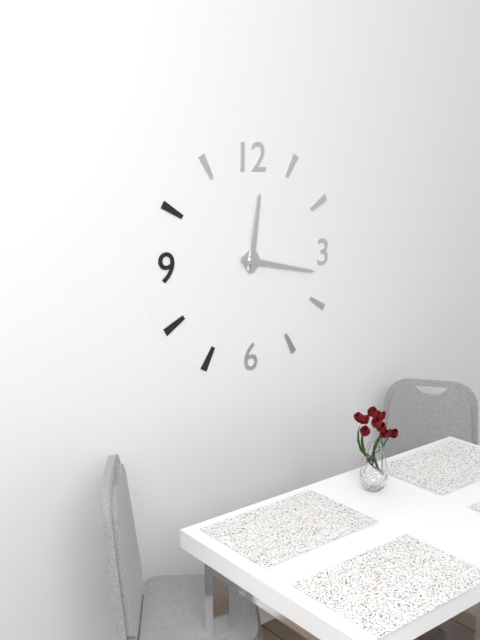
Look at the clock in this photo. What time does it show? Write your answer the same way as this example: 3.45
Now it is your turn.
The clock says 12.17
